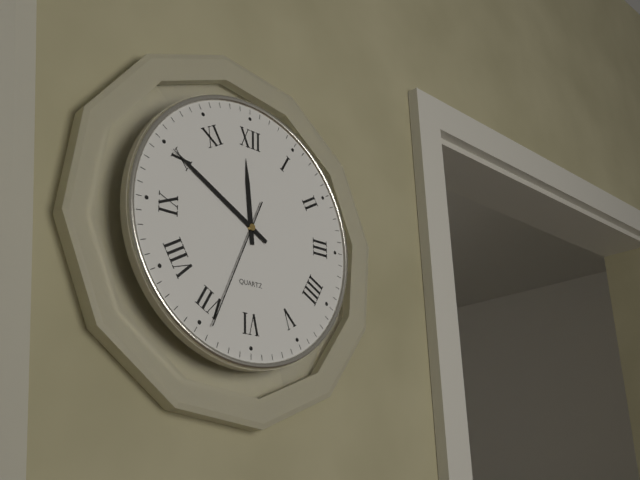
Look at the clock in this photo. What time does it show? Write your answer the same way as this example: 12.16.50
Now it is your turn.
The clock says 11.50.34
